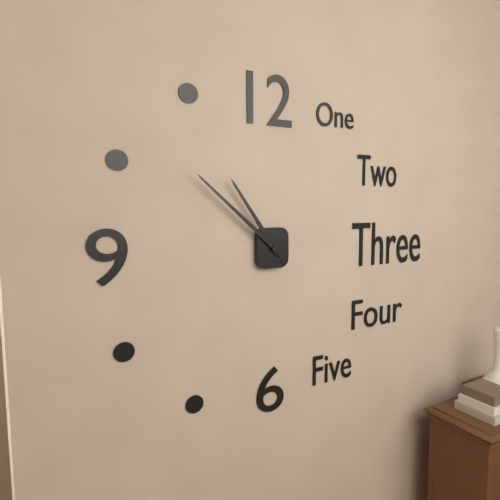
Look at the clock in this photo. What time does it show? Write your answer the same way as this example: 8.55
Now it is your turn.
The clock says 10.52
